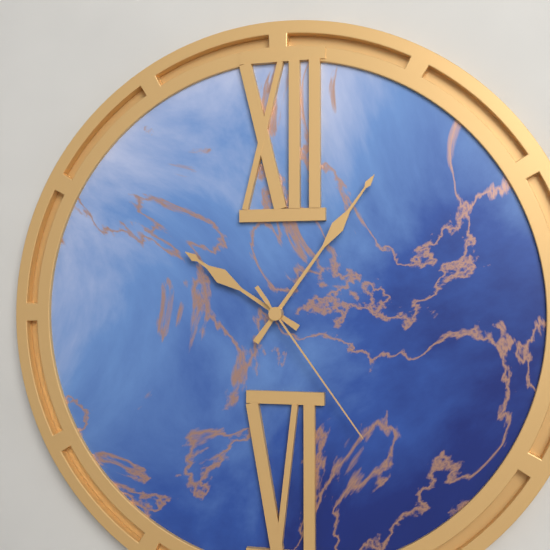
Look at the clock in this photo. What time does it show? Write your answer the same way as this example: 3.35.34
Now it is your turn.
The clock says 10.06.24
